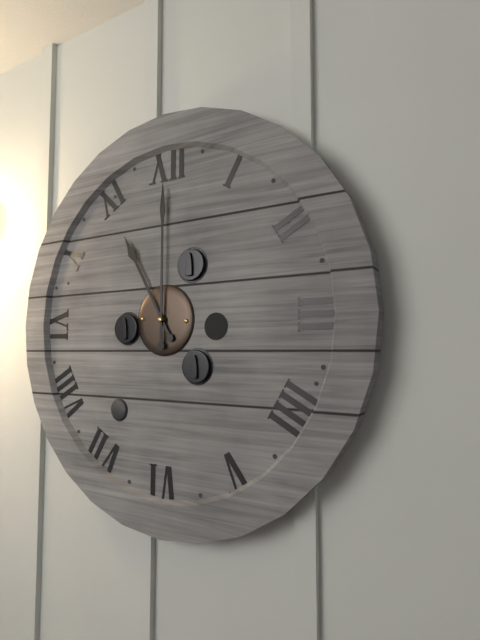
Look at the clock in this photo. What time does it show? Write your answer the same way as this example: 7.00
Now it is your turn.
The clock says 11.00
